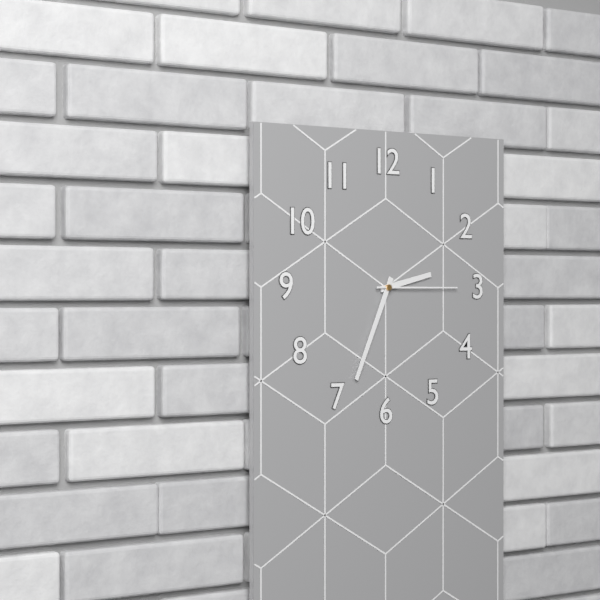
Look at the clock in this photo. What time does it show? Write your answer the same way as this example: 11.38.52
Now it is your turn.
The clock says 2.34.15
